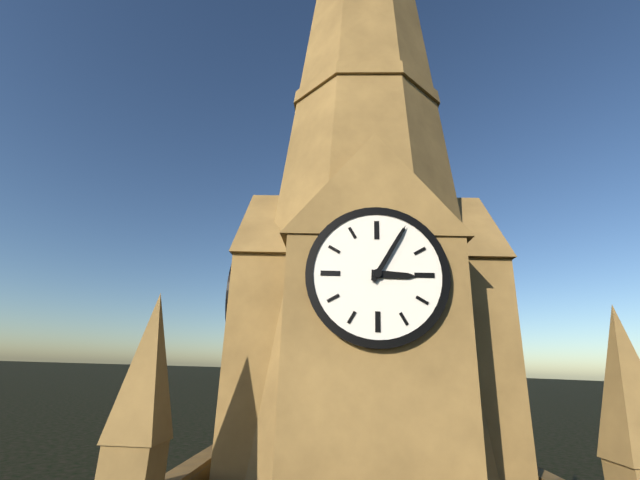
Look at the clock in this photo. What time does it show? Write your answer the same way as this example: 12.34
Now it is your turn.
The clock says 3.05
